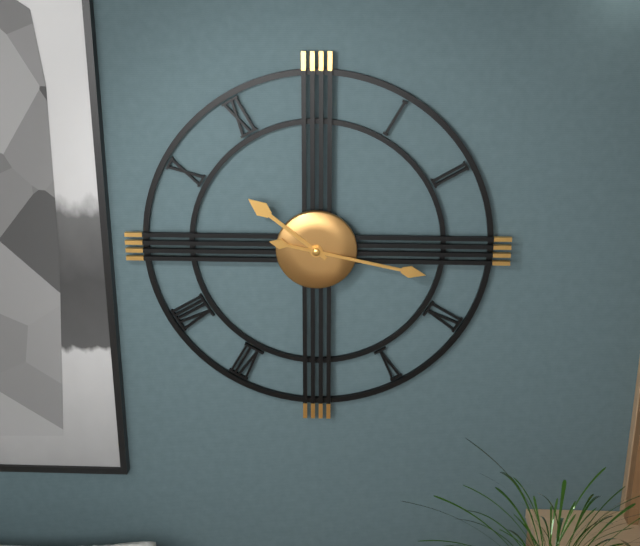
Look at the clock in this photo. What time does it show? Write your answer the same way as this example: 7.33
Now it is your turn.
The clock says 10.17
